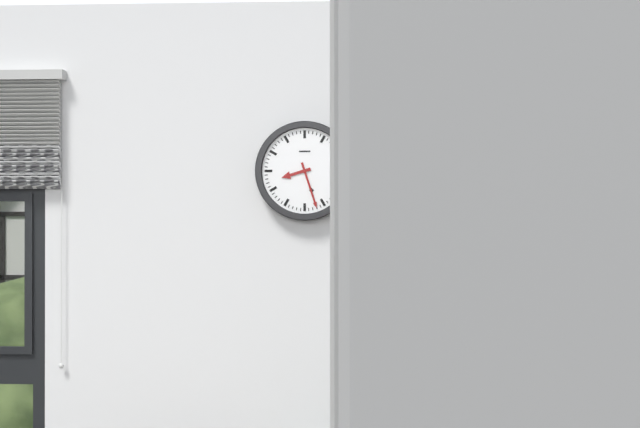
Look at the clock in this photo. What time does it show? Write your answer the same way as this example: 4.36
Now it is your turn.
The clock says 8.27
